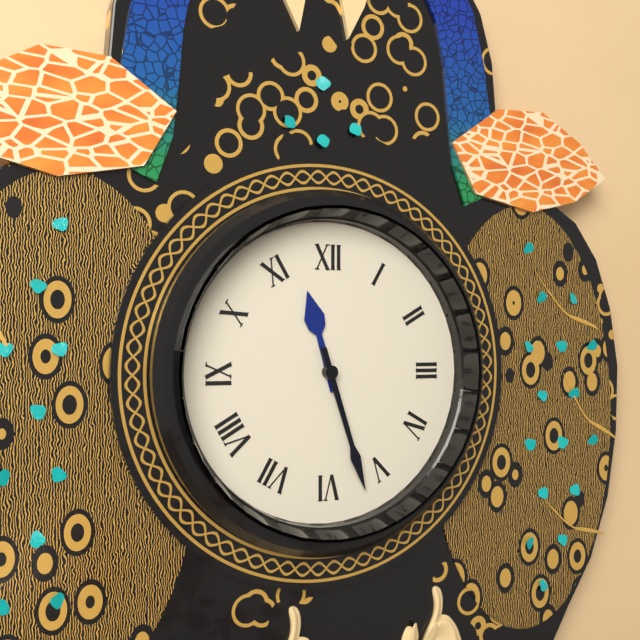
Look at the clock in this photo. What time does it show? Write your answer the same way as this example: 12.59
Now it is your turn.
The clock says 11.27
